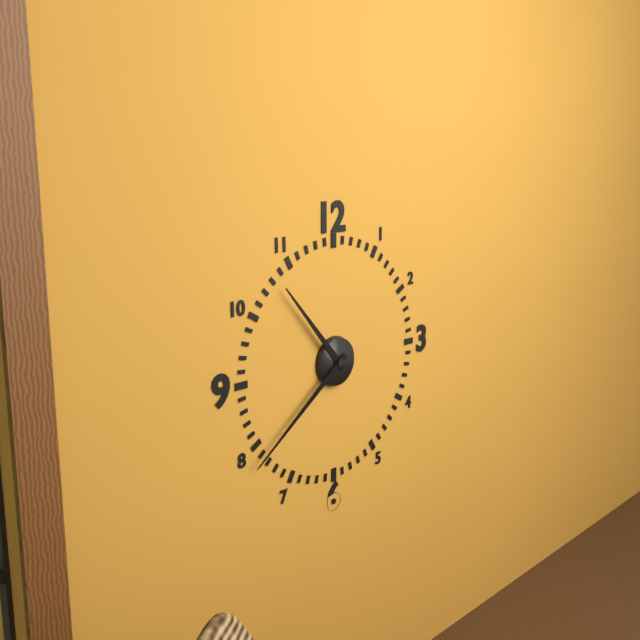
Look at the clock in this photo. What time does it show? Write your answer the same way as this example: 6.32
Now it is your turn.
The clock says 10.39
